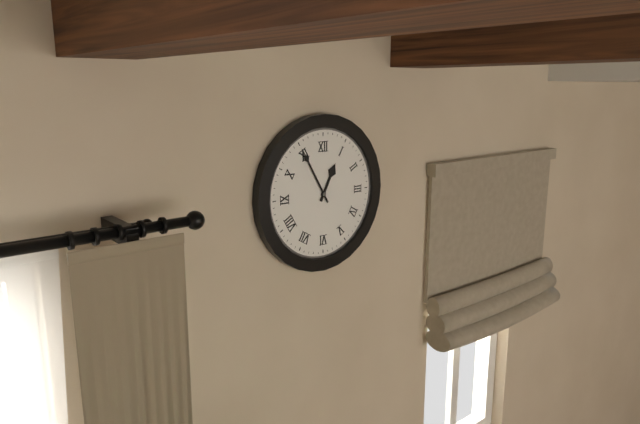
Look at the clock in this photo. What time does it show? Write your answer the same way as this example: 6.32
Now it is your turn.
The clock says 12.55
